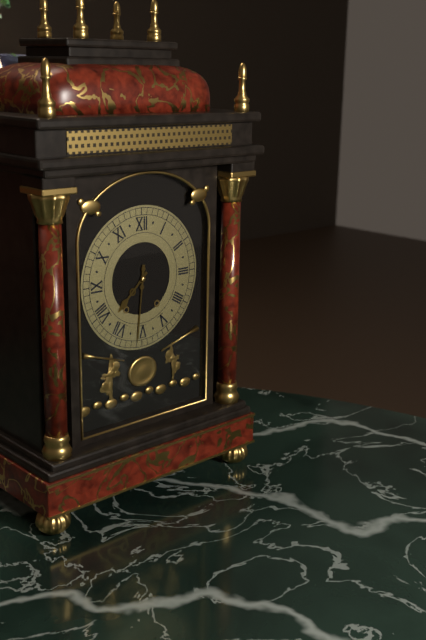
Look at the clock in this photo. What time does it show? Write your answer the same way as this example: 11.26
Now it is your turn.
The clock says 7.31
